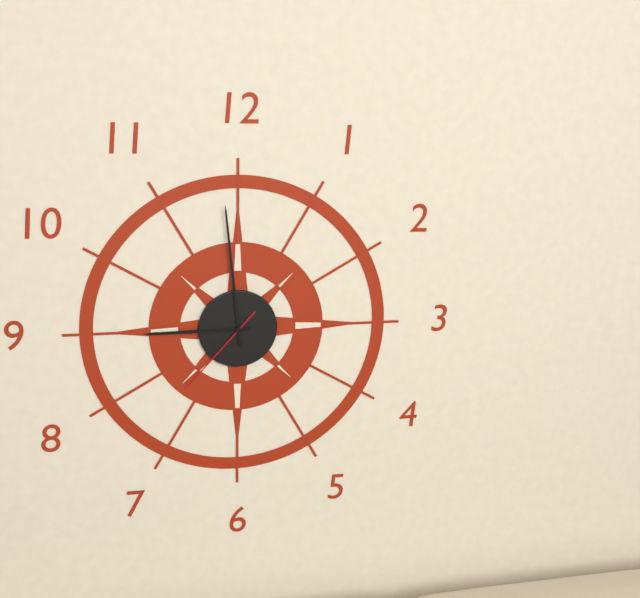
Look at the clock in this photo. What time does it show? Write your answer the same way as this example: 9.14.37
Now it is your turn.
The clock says 8.59.37
